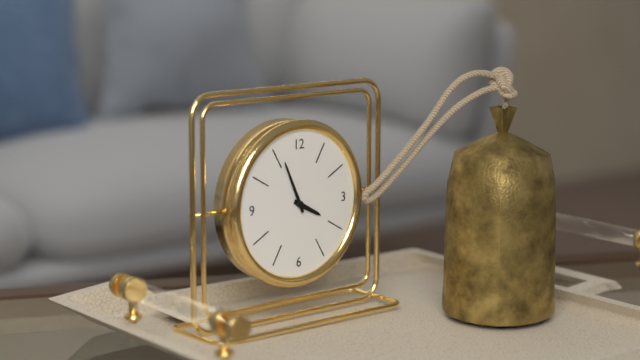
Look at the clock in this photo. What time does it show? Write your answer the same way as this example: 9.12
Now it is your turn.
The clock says 3.56
